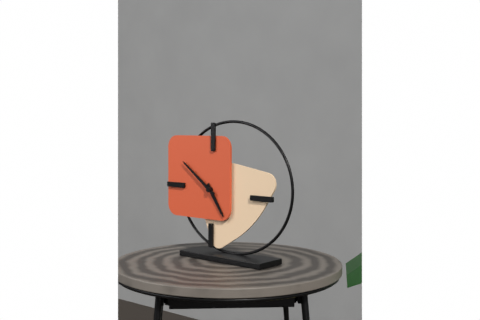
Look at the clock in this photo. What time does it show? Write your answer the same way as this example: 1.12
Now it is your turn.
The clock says 4.51
